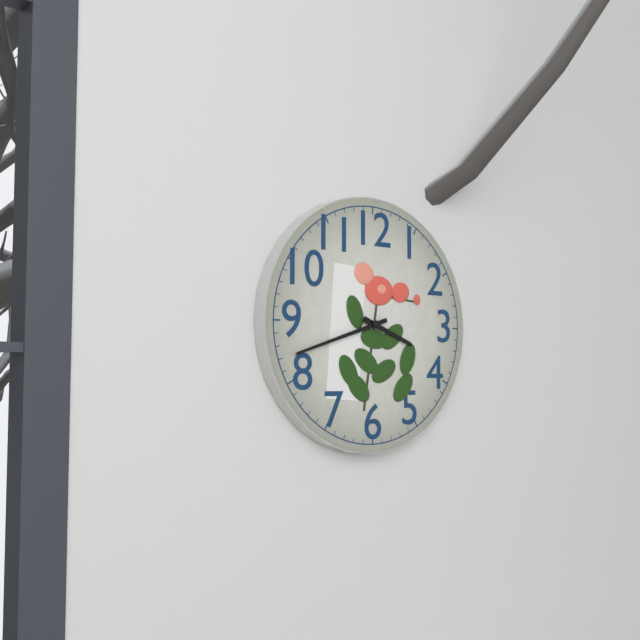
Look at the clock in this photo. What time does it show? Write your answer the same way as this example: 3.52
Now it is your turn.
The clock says 3.42
